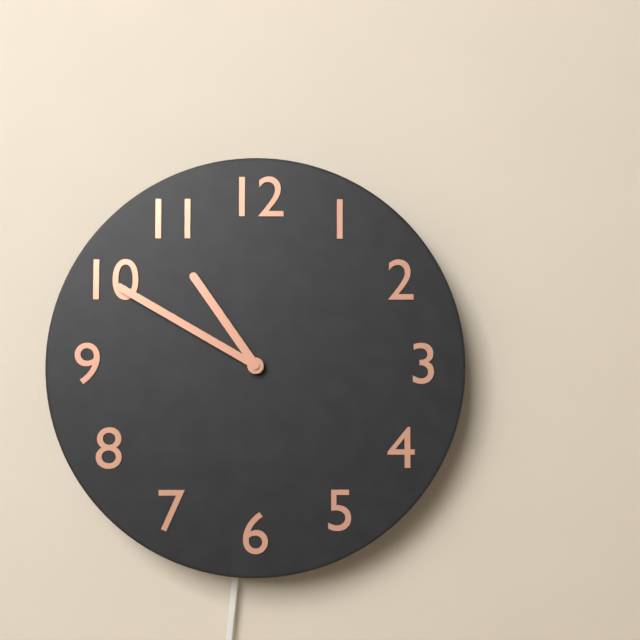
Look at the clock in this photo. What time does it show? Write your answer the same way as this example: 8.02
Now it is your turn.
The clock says 10.50
